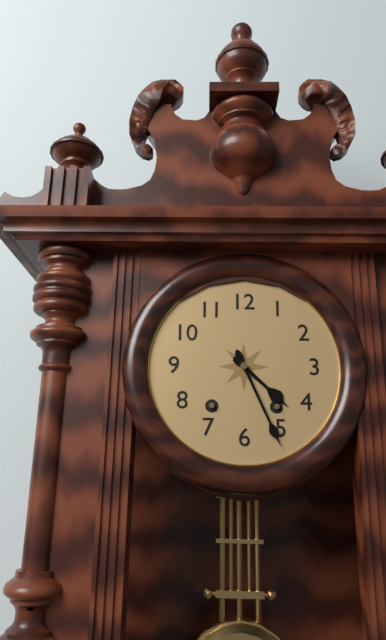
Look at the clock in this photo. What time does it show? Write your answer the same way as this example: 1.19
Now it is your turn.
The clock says 4.26
